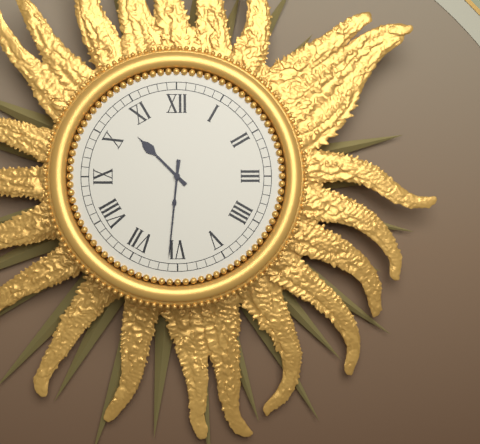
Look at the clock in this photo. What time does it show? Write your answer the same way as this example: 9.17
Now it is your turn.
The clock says 10.31
